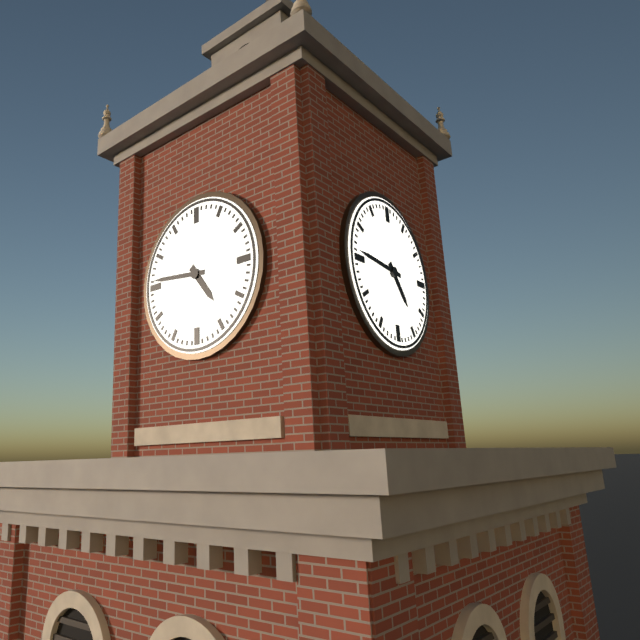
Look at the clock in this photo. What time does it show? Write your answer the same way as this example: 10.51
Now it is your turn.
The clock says 4.46
